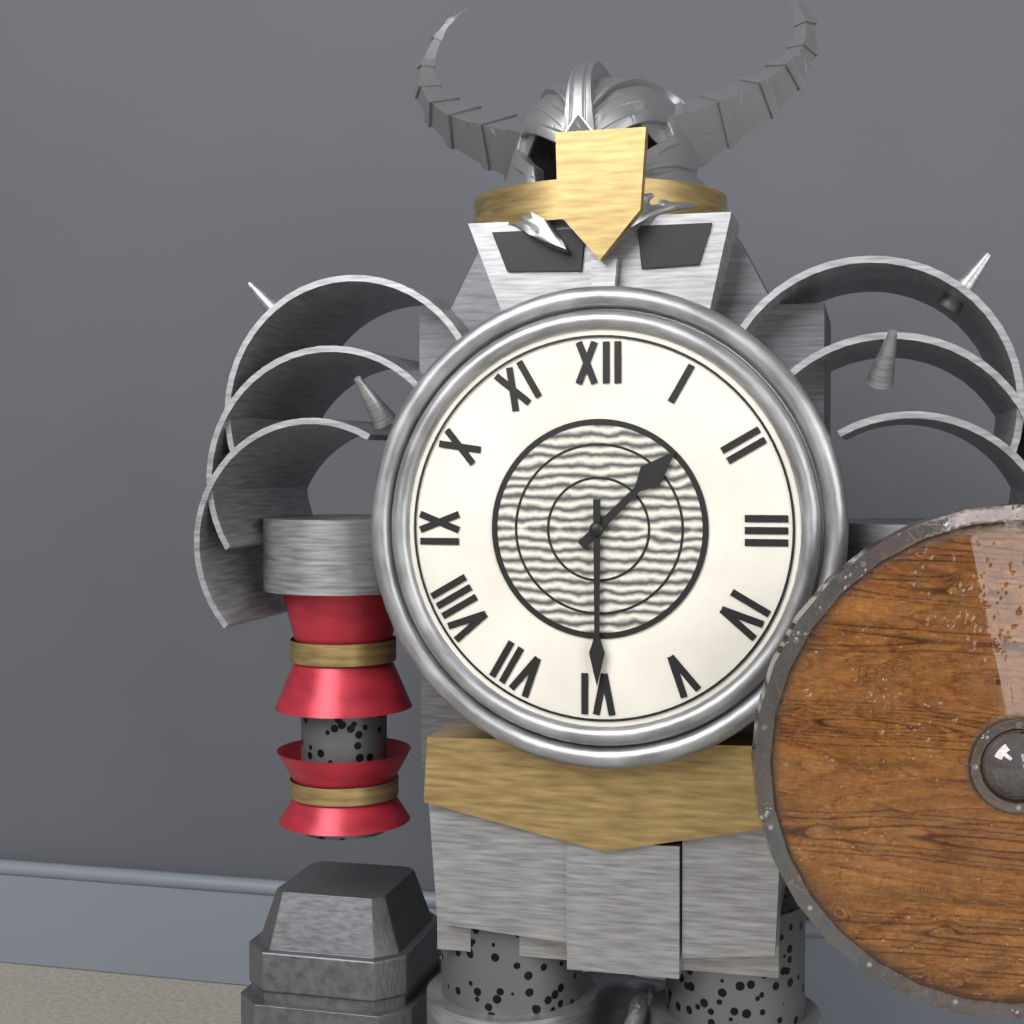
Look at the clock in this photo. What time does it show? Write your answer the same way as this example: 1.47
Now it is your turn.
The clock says 1.30
